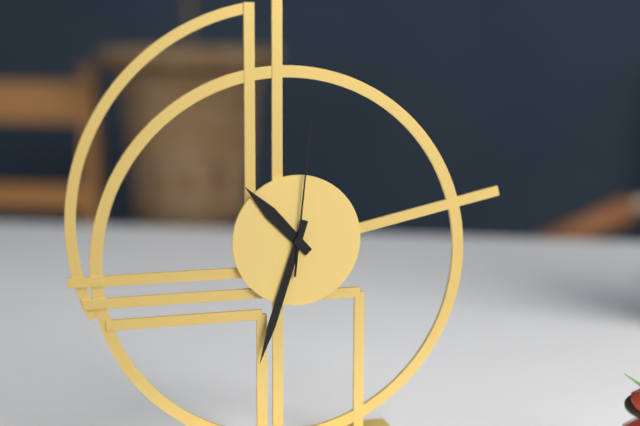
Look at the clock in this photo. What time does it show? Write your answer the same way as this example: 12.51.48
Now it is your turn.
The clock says 10.33.01
